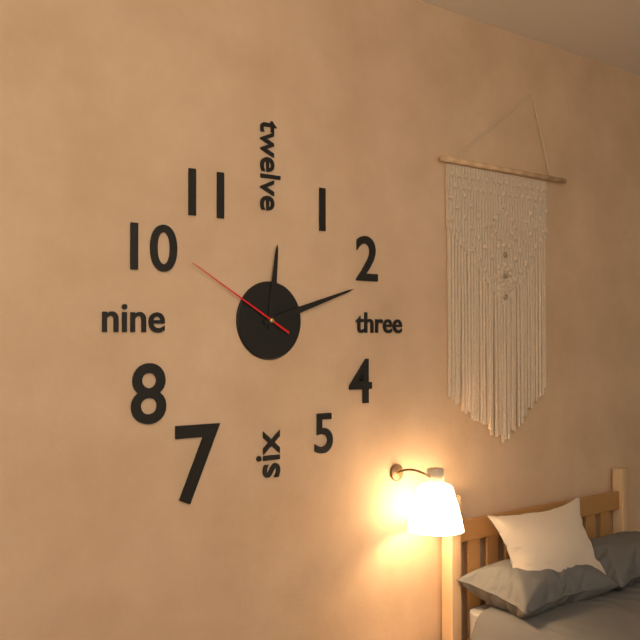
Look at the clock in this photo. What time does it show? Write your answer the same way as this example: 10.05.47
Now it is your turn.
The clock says 12.12.50
